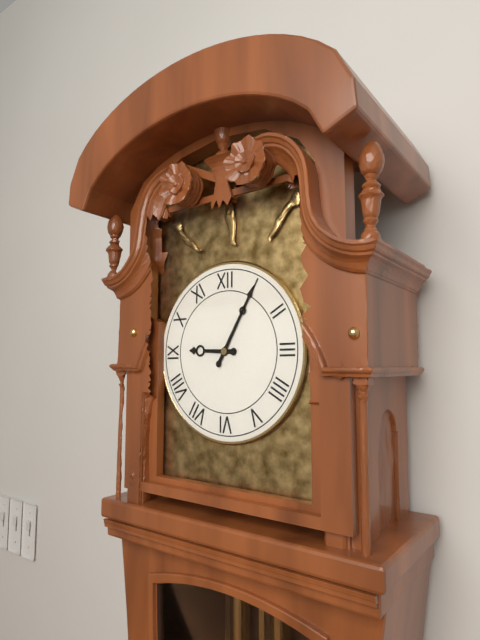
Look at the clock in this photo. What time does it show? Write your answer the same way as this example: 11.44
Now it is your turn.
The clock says 9.05
